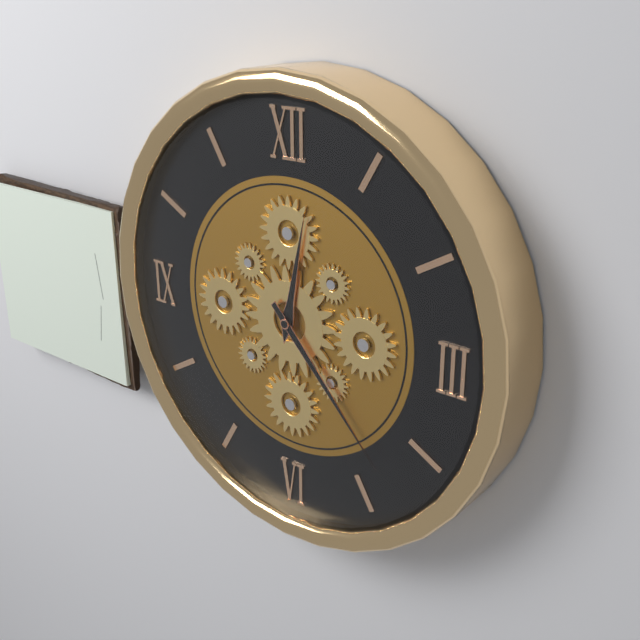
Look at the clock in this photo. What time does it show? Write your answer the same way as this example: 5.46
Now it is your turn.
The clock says 12.23
